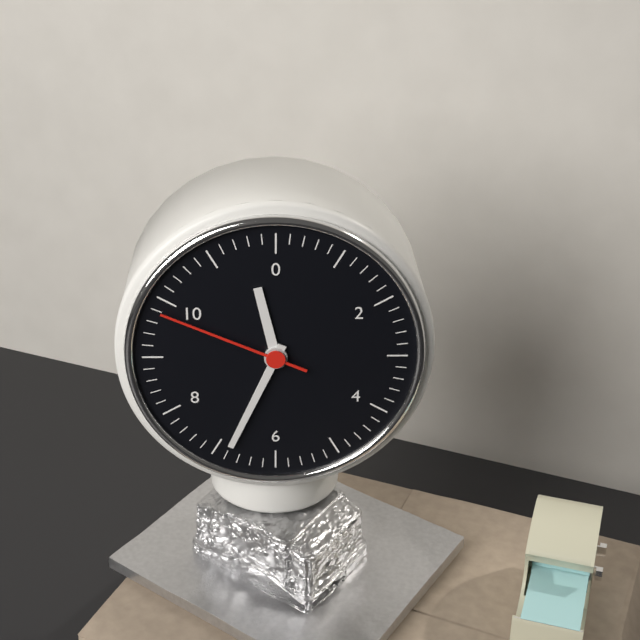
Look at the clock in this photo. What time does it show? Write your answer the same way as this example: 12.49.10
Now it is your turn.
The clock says 11.34.49
